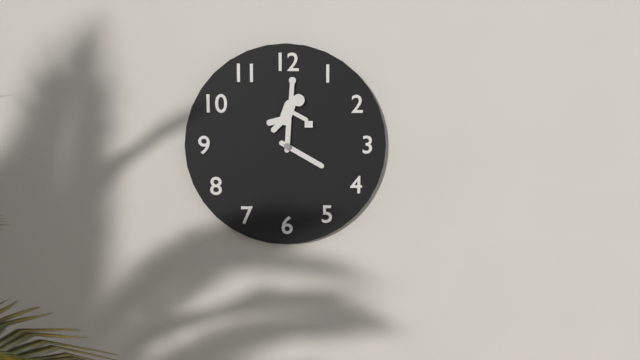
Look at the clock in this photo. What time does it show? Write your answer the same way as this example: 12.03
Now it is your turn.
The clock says 4.00
